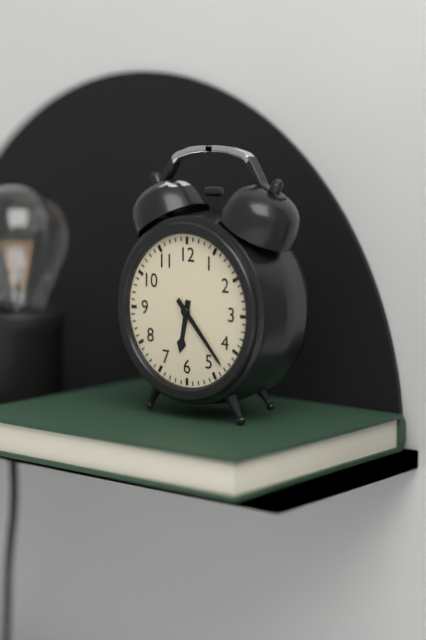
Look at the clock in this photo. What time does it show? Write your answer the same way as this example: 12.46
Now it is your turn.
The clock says 6.23
